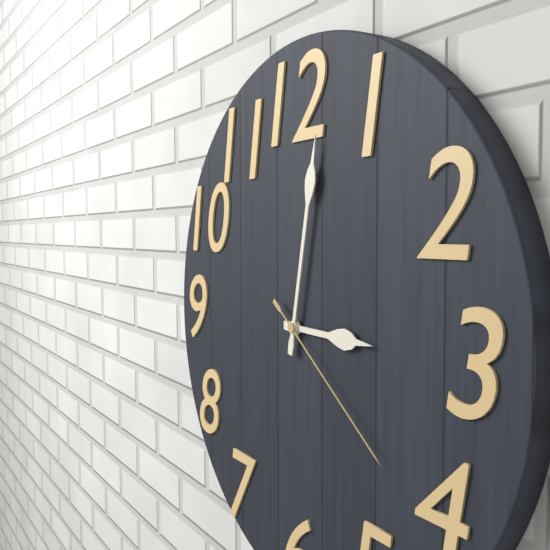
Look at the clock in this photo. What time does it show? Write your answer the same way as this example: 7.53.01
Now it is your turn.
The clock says 3.02.21
